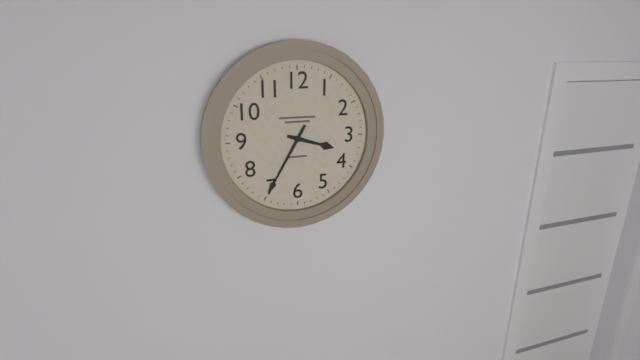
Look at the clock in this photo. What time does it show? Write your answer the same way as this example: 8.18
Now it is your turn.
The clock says 3.35
